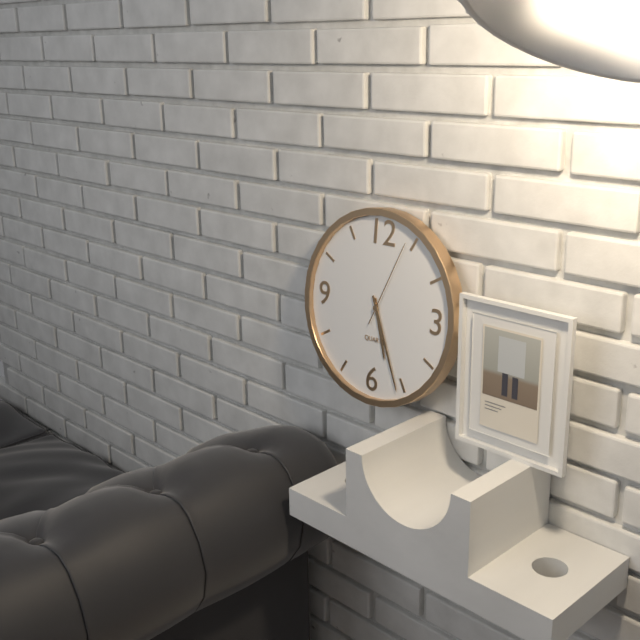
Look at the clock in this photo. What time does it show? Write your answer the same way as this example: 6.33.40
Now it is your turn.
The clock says 5.26.04
